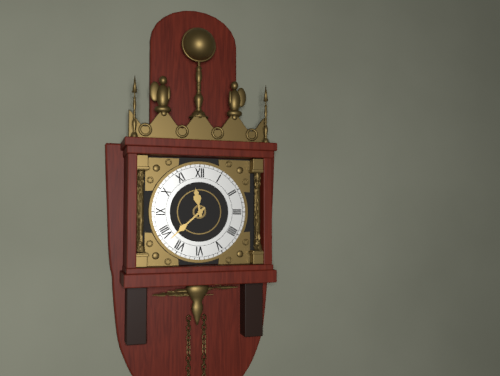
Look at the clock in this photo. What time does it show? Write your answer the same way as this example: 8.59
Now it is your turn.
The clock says 11.38
